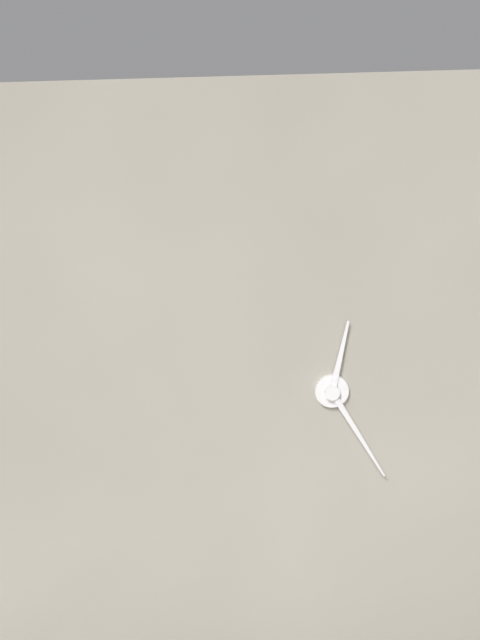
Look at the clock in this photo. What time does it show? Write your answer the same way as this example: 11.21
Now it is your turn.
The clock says 12.25
